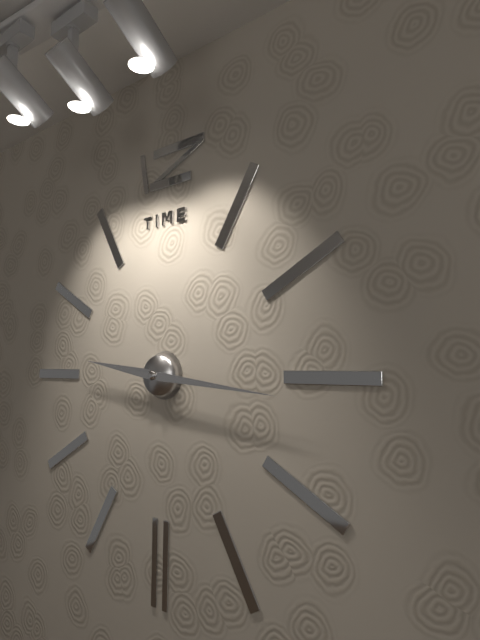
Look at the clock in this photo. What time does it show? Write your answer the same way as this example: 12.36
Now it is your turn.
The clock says 9.16
